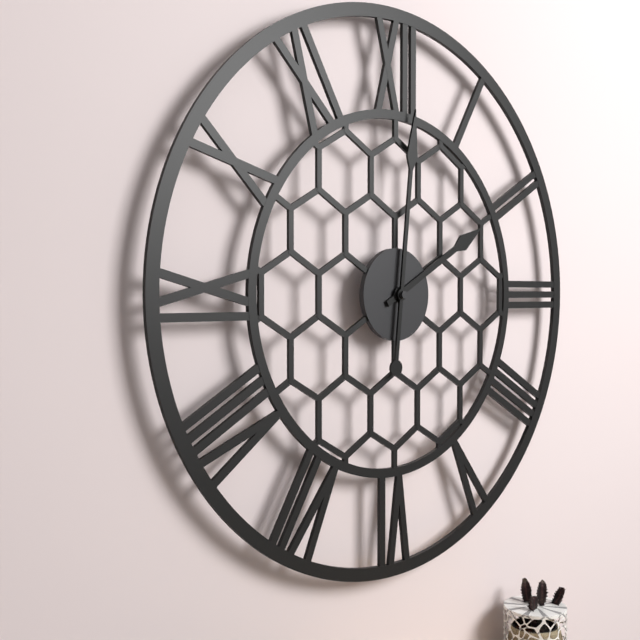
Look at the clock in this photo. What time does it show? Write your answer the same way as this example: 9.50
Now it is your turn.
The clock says 2.01
